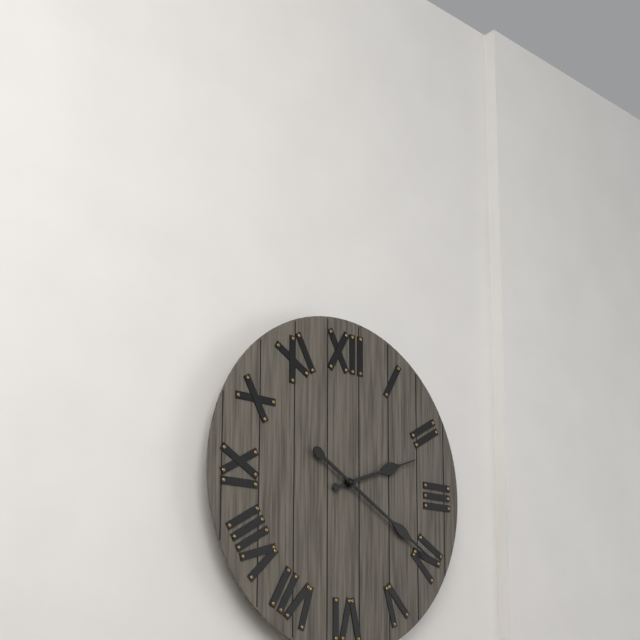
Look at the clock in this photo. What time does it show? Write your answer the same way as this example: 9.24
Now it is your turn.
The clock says 2.20
